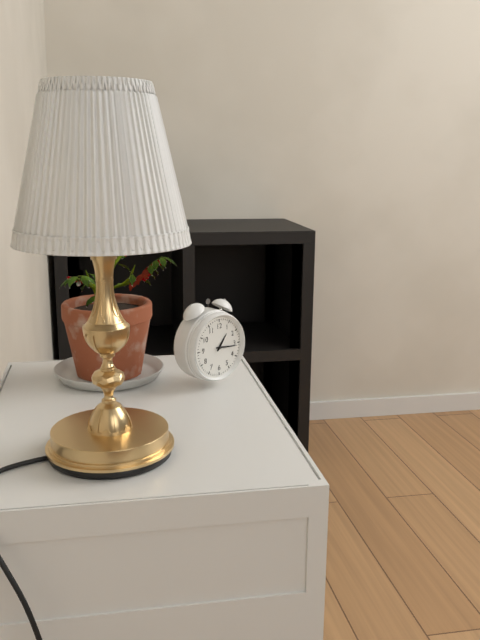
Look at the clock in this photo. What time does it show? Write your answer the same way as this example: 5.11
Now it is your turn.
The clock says 1.16
